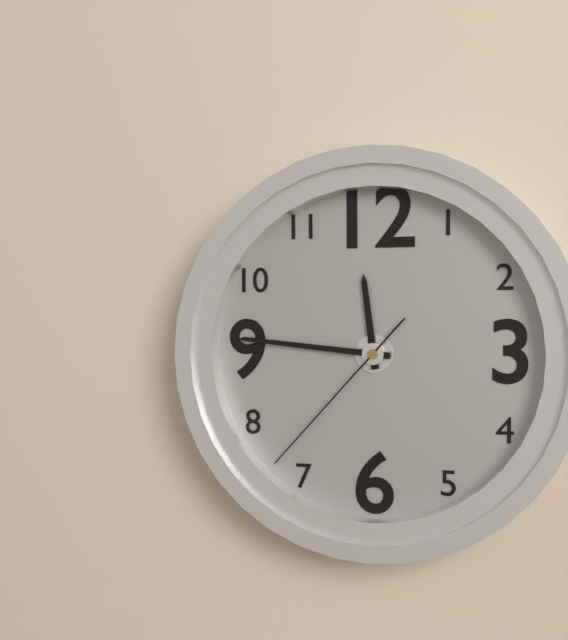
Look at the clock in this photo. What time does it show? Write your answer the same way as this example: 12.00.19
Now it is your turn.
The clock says 11.46.37
